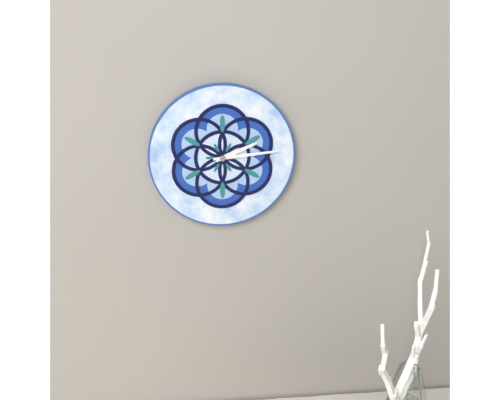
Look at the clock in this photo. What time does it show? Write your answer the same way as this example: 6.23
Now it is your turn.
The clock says 2.14
